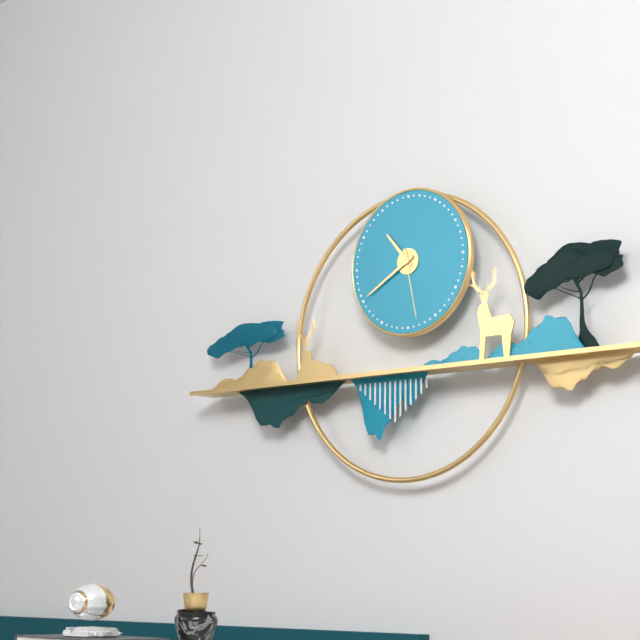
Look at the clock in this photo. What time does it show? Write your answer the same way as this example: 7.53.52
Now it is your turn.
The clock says 10.40.28
